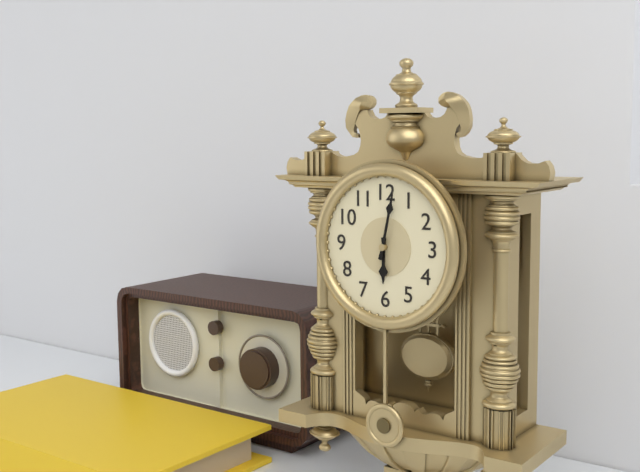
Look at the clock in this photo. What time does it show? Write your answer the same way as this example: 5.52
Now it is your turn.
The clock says 6.02
